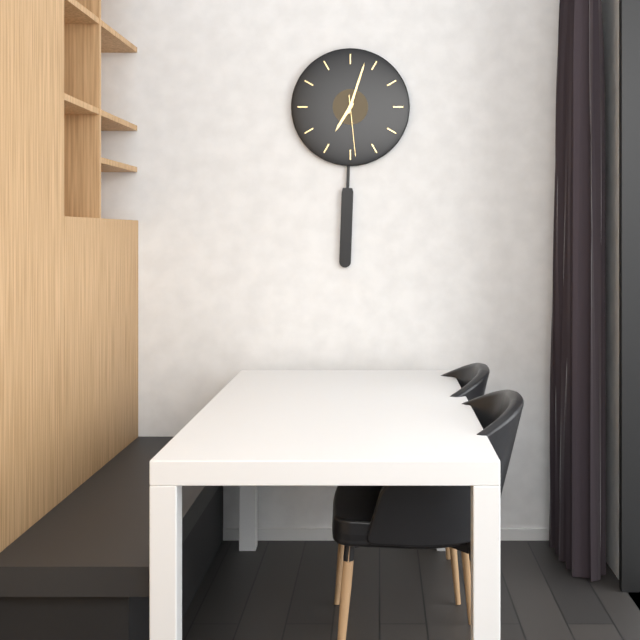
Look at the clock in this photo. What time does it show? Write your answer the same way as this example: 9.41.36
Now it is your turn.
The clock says 7.03.29
